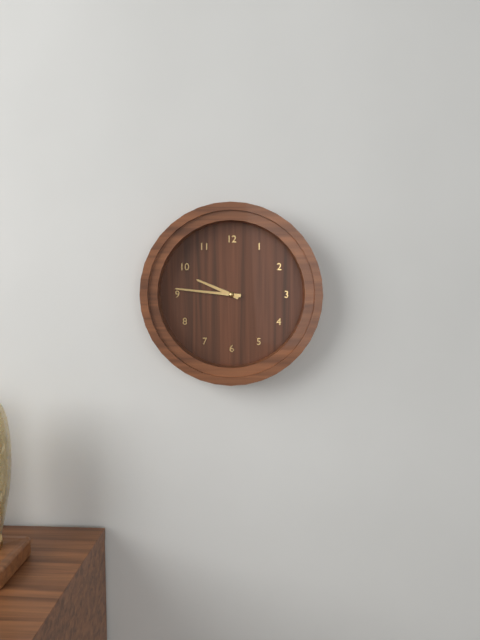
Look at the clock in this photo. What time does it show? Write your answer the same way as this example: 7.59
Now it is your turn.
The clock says 9.46
